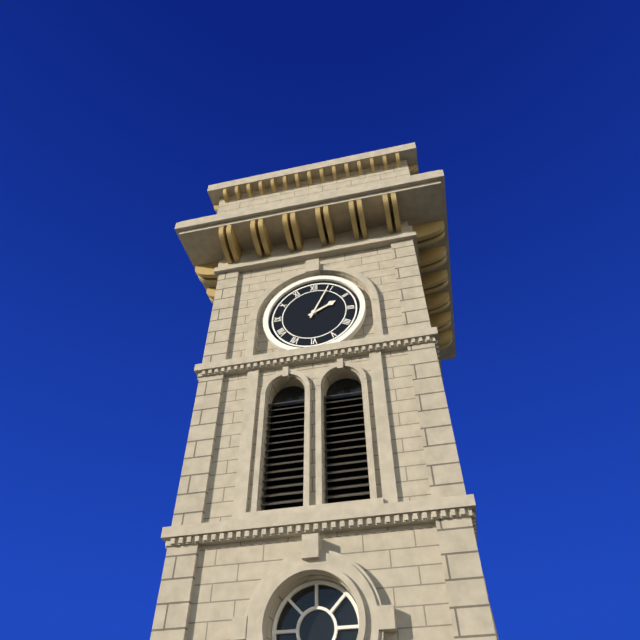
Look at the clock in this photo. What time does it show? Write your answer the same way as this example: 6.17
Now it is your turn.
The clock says 2.04
